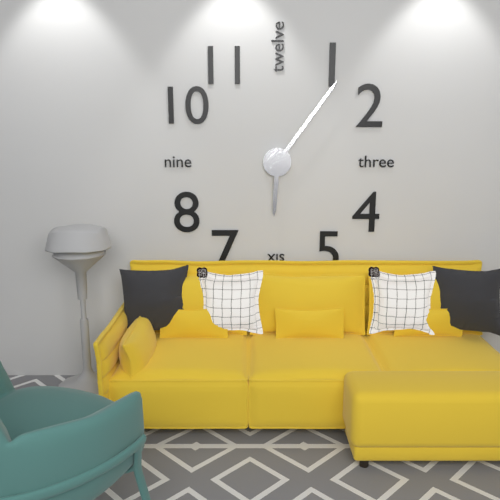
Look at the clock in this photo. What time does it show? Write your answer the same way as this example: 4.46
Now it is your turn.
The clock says 6.06
